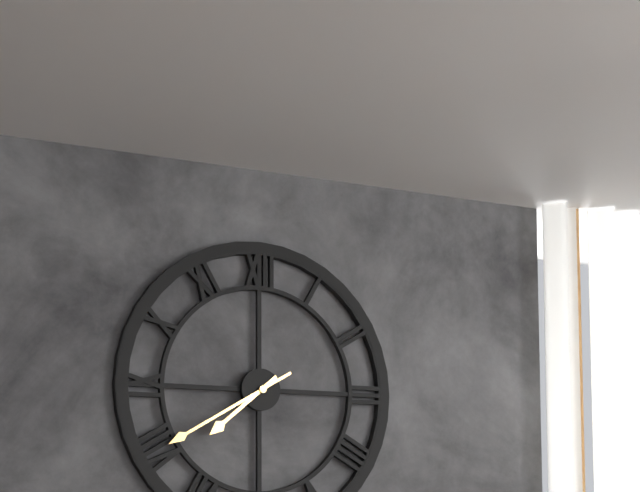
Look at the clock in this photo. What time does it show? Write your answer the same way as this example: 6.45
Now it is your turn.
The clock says 7.40
